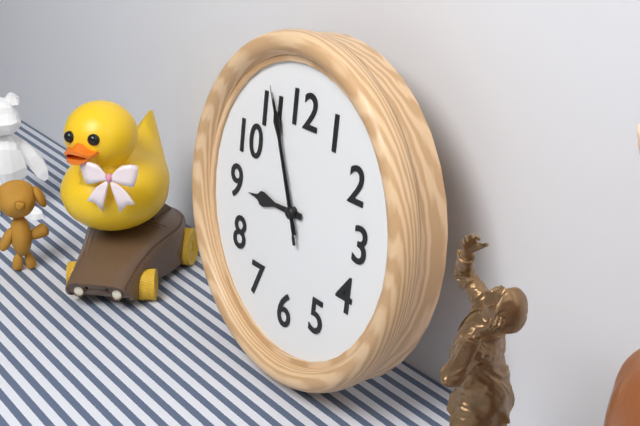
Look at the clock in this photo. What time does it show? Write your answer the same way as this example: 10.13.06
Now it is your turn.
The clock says 8.56.56
